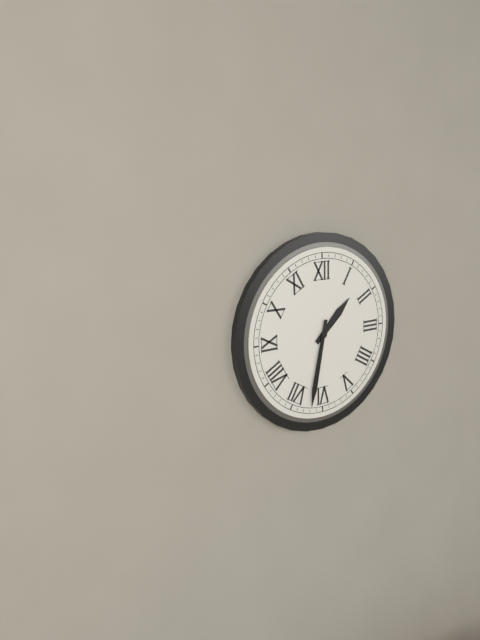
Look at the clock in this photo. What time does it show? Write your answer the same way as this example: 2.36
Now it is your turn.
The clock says 1.32
